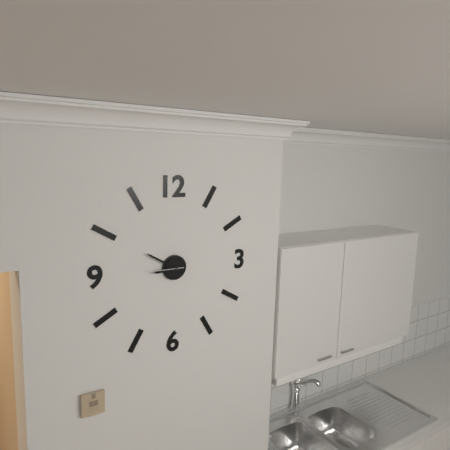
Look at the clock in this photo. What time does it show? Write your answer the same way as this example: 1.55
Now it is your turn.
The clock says 8.50
